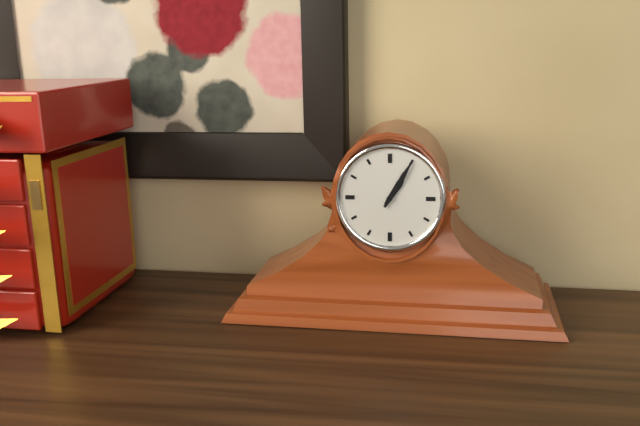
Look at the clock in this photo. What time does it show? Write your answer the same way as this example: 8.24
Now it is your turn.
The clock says 1.05
